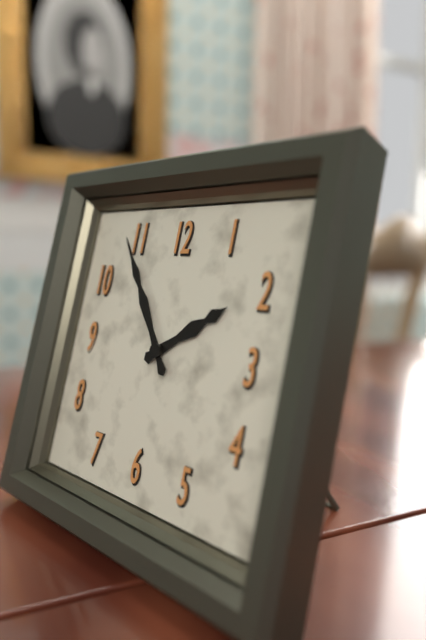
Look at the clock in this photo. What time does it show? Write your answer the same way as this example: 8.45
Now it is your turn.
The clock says 1.54
